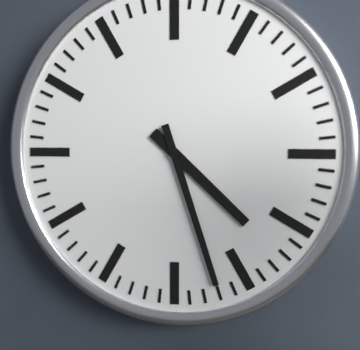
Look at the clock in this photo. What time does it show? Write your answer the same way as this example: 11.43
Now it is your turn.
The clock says 4.27
